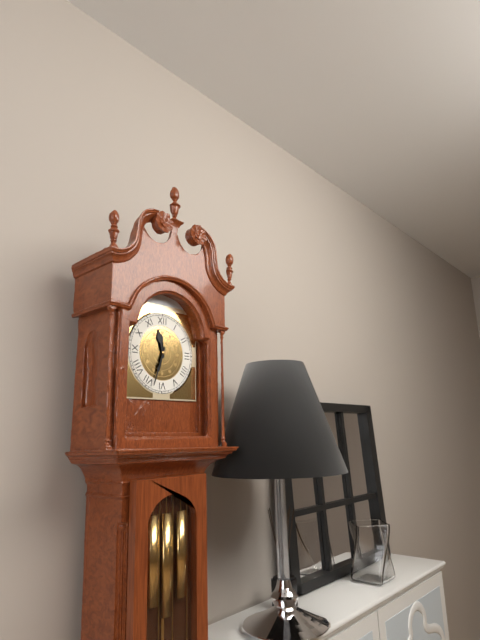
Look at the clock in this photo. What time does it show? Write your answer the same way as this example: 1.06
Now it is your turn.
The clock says 11.33
